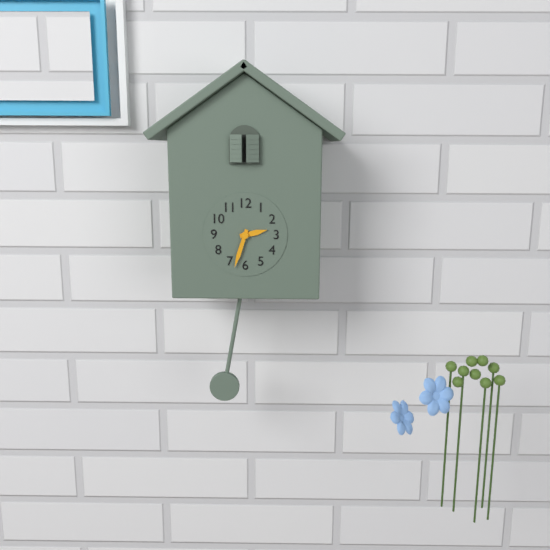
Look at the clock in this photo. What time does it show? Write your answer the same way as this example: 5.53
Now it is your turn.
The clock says 2.33
